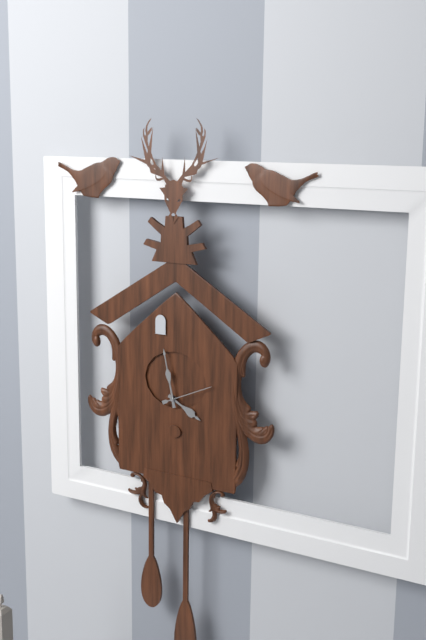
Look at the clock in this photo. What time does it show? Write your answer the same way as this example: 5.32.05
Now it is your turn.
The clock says 3.58.11
